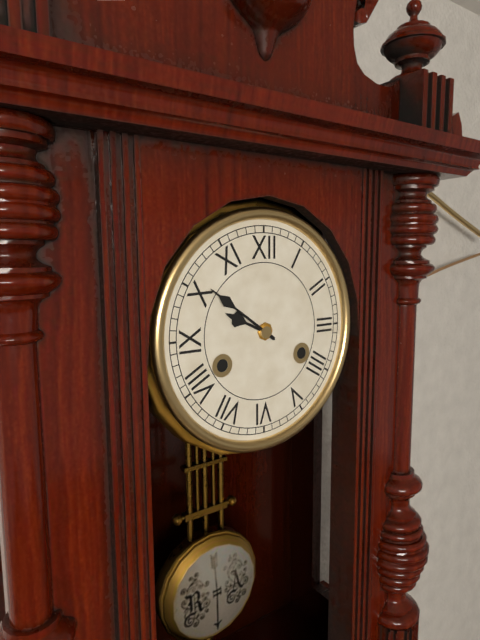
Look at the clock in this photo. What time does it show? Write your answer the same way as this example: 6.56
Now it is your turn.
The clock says 9.51
